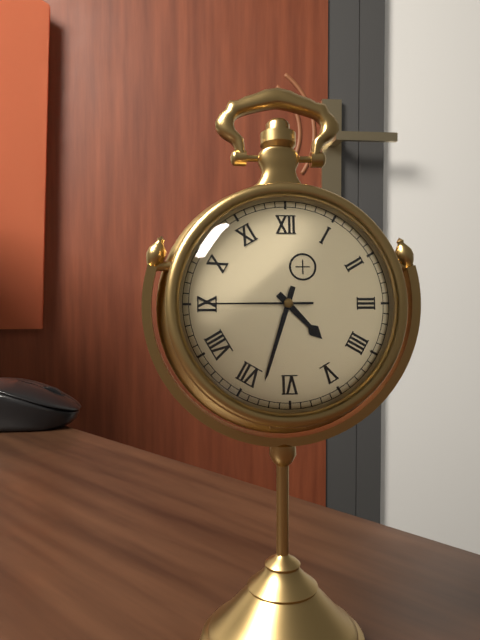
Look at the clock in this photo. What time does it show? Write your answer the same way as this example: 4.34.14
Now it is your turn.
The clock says 4.33.45
